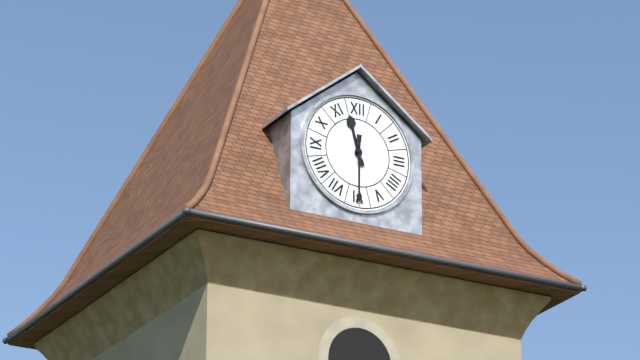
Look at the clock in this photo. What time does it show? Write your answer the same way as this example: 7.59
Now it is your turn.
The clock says 11.30
